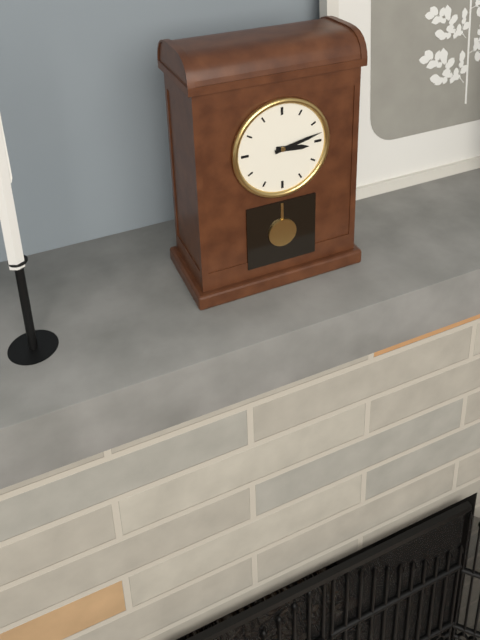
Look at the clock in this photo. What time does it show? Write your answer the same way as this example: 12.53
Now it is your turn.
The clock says 3.13
